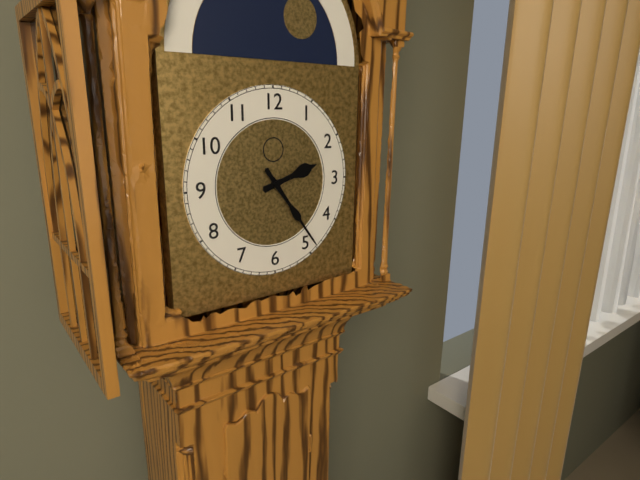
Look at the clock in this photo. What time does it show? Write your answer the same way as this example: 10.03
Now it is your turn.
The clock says 2.24
